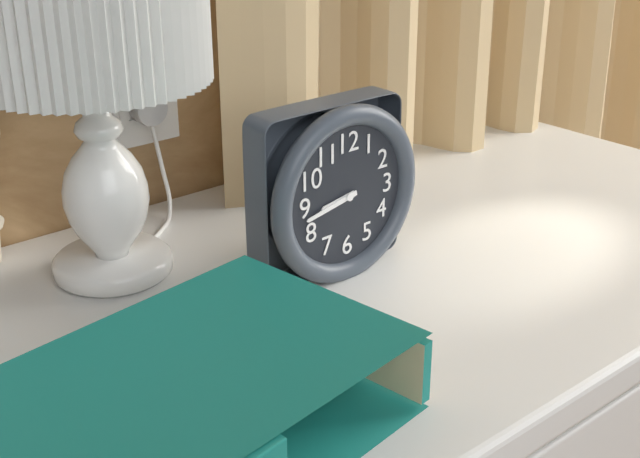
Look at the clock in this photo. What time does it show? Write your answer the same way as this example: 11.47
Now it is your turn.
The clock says 8.43
